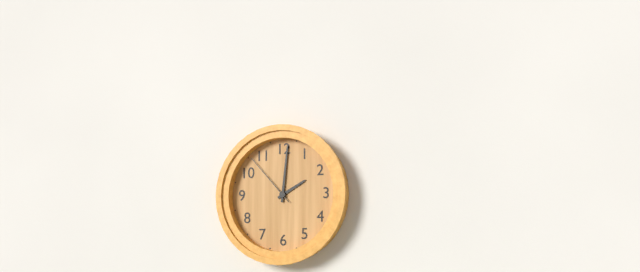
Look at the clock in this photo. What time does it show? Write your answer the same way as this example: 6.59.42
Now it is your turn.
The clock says 2.01.53
